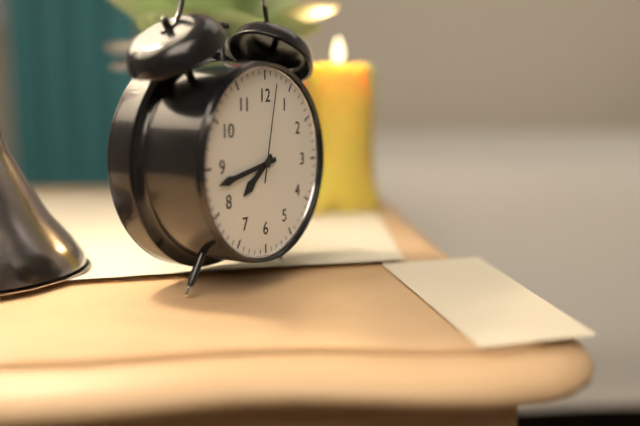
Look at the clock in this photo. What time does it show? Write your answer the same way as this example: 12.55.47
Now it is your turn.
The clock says 7.43.02
